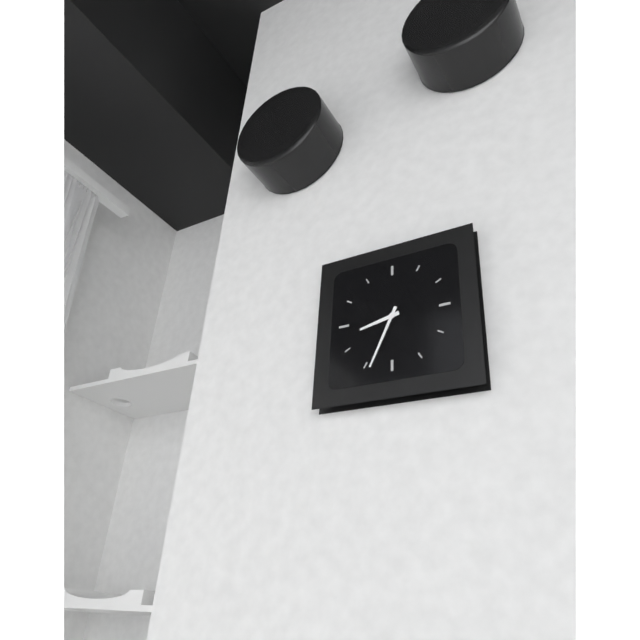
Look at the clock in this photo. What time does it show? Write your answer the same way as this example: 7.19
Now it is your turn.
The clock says 8.34
